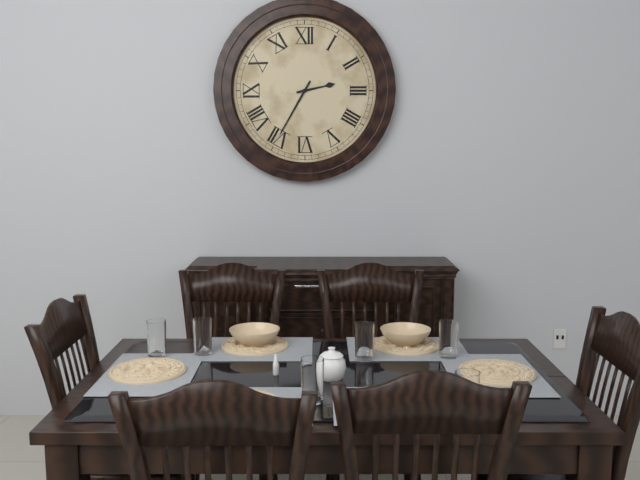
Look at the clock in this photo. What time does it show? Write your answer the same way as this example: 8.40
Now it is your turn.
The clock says 2.35
